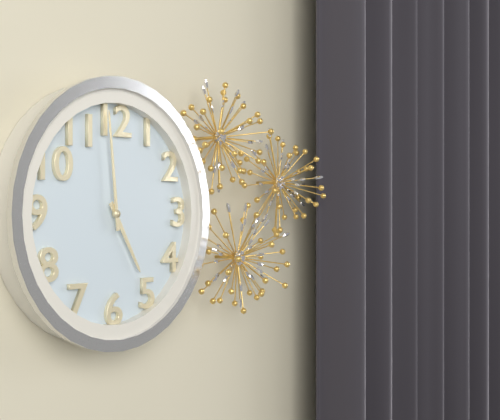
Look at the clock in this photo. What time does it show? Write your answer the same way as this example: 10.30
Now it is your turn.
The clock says 4.59
